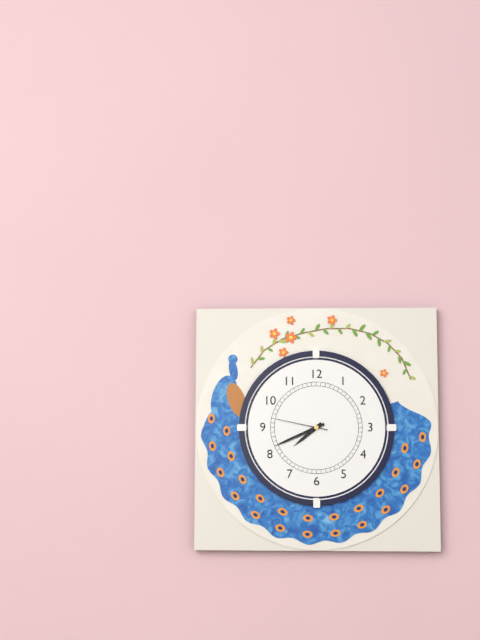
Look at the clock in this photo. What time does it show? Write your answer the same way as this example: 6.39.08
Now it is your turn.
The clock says 7.41.47
